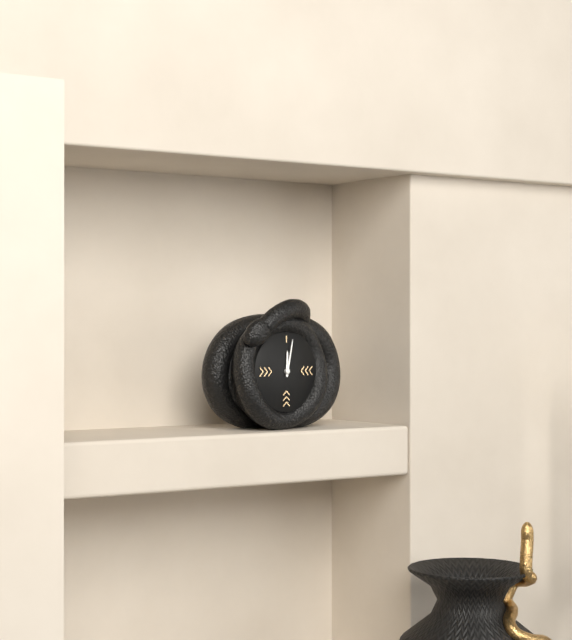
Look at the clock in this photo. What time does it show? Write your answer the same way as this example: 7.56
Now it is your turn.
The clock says 12.02
